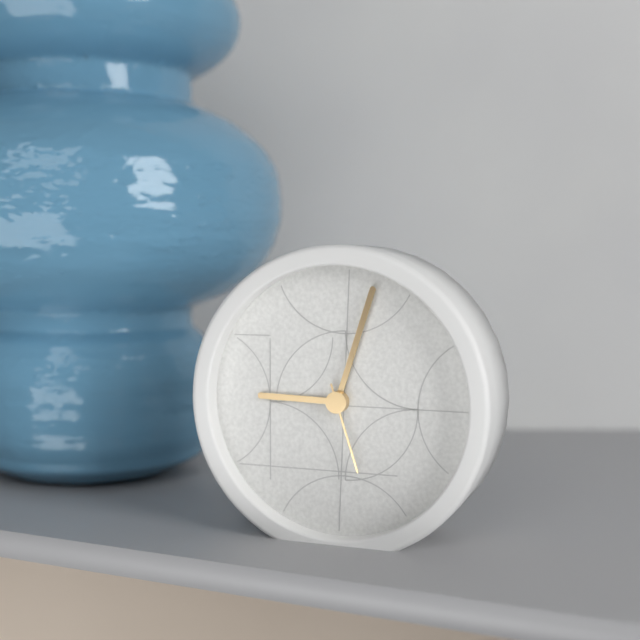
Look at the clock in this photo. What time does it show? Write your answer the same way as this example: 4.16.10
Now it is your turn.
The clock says 9.03.27
